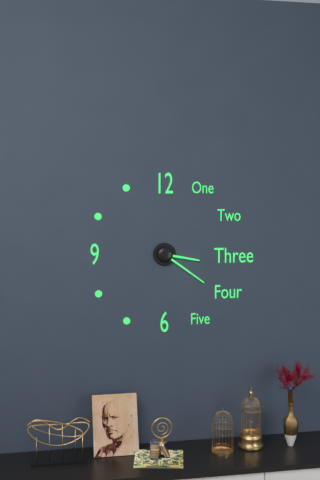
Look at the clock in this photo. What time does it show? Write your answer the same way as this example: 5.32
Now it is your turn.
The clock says 3.21
